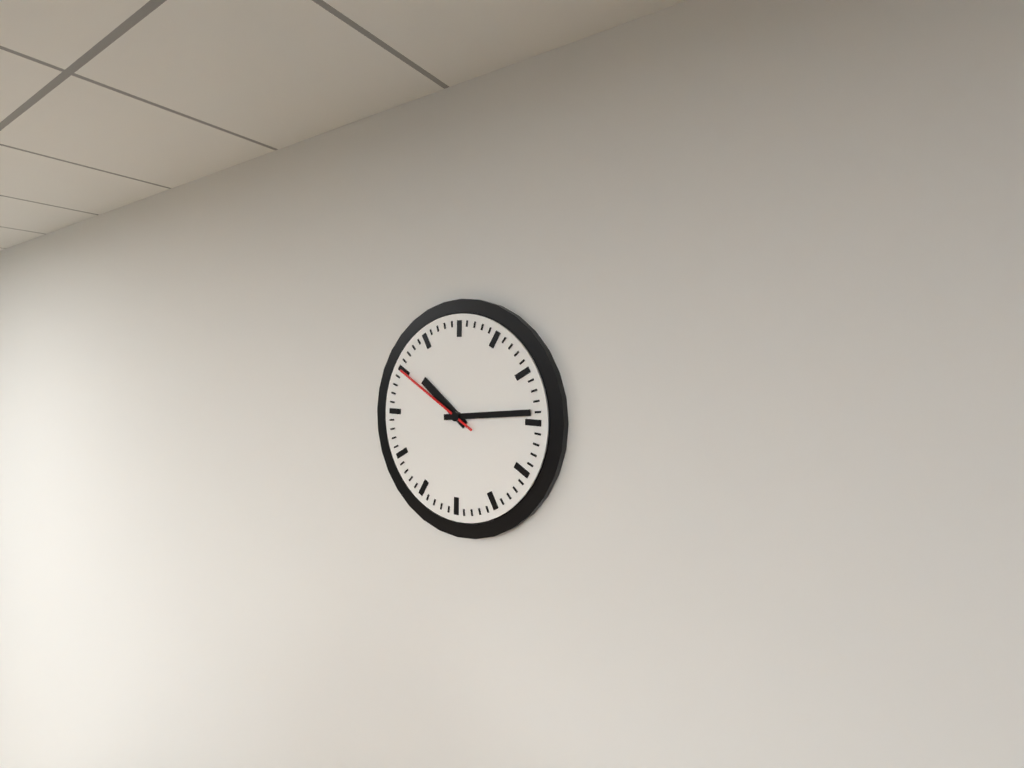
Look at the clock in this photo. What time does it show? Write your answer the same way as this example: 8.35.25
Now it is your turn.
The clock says 10.14.50
